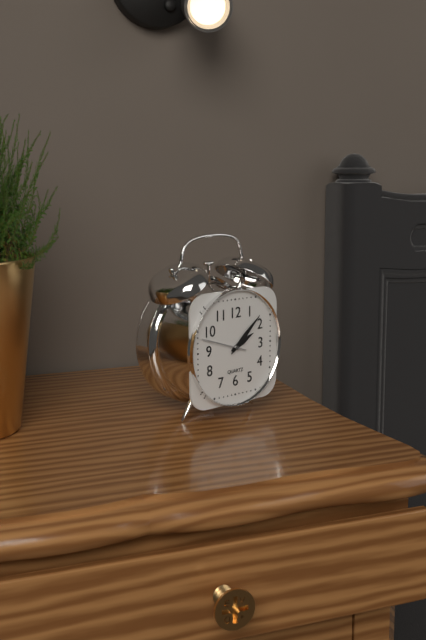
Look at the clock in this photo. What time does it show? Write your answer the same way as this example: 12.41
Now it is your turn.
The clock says 2.08
